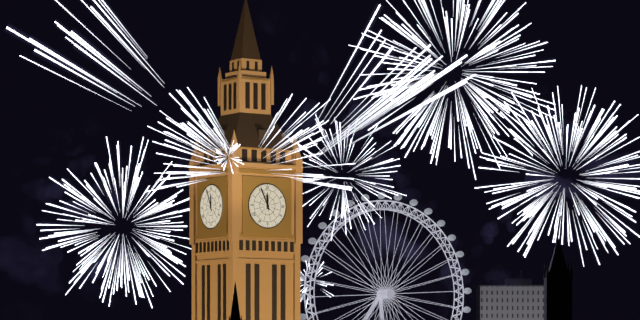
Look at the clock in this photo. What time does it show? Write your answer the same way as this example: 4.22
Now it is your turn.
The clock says 11.56
